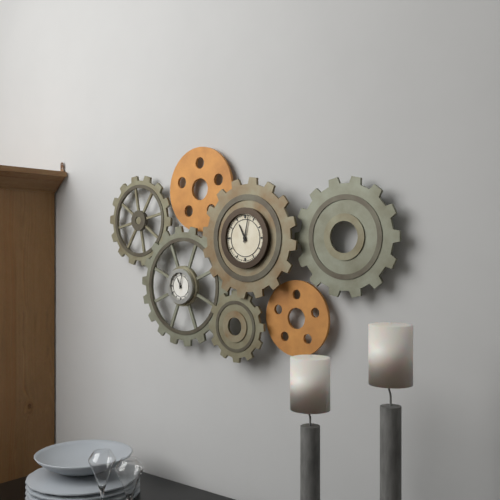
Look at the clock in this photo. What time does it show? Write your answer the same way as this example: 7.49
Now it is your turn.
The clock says 11.02
